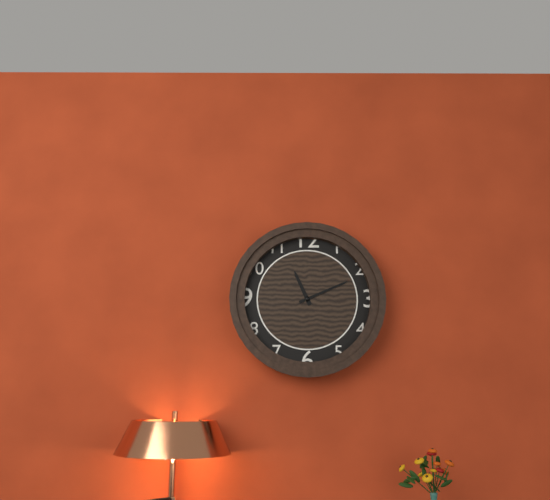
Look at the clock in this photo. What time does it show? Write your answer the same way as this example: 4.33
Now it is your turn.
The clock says 11.11
